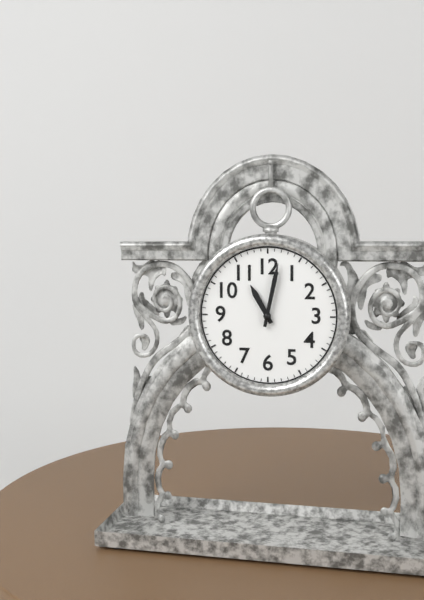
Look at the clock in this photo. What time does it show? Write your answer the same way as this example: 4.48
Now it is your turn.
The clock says 11.02
